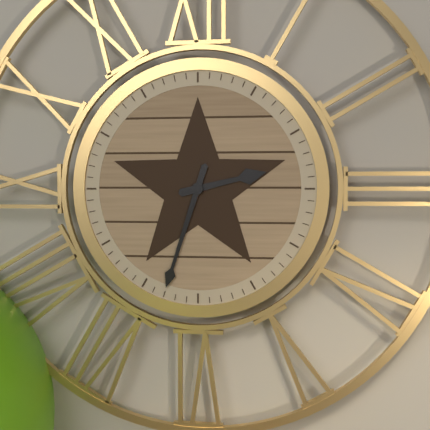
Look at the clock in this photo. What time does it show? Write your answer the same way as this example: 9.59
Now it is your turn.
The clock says 2.33
